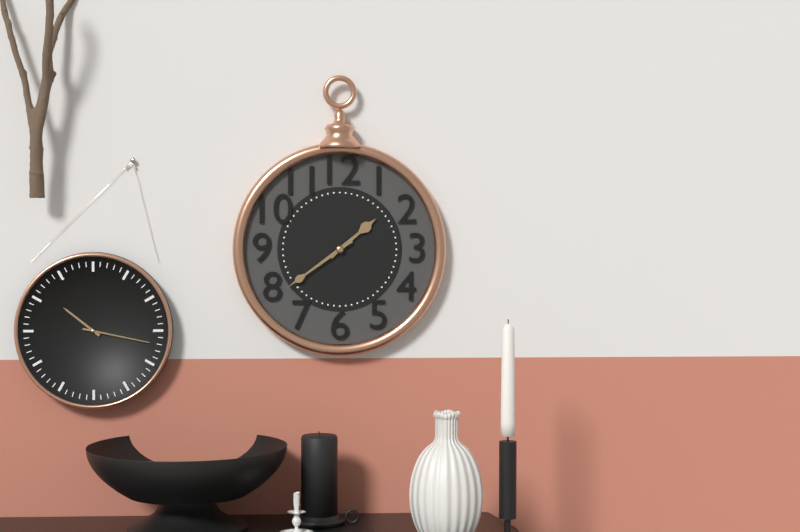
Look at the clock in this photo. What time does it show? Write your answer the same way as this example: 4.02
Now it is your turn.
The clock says 1.39
